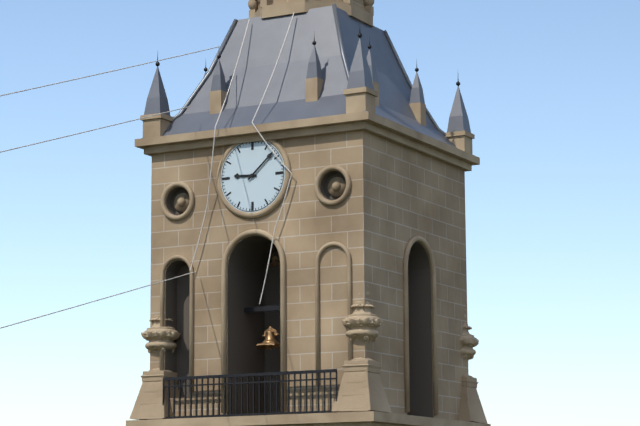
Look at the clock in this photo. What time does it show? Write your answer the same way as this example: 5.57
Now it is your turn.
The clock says 9.08
